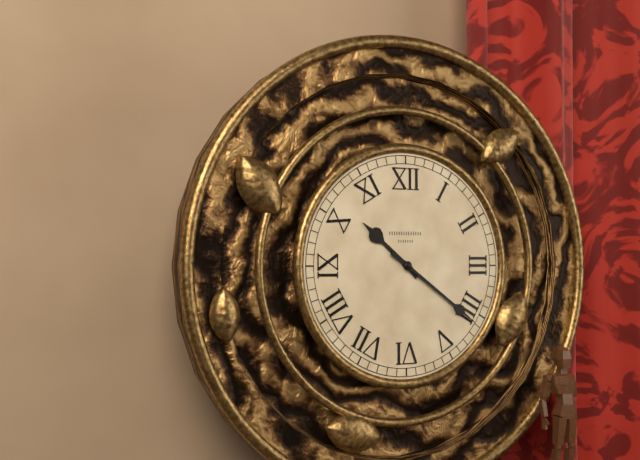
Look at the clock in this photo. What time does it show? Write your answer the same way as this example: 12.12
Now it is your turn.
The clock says 10.21
